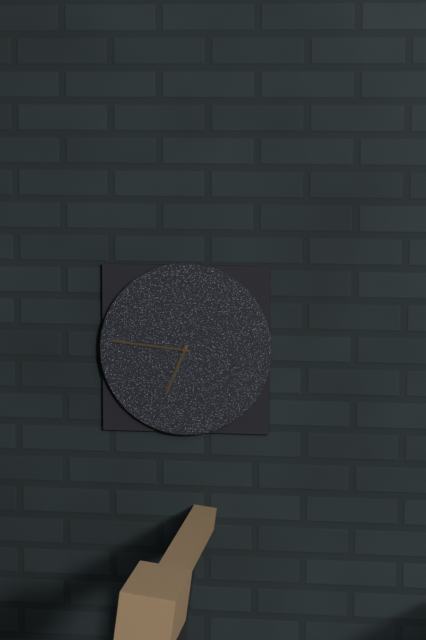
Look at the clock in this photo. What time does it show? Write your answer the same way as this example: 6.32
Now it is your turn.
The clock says 6.46
